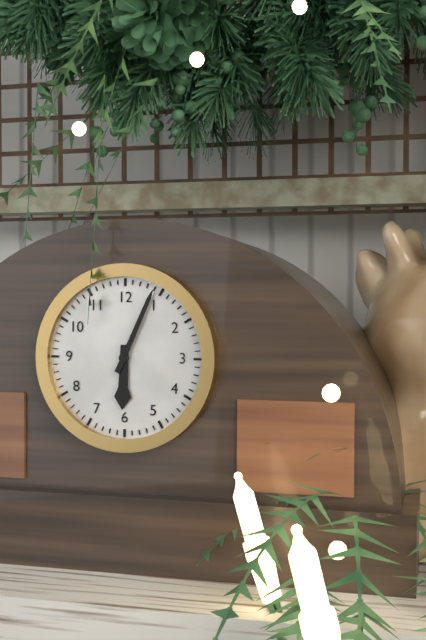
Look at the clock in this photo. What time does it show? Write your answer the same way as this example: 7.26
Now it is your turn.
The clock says 6.04
